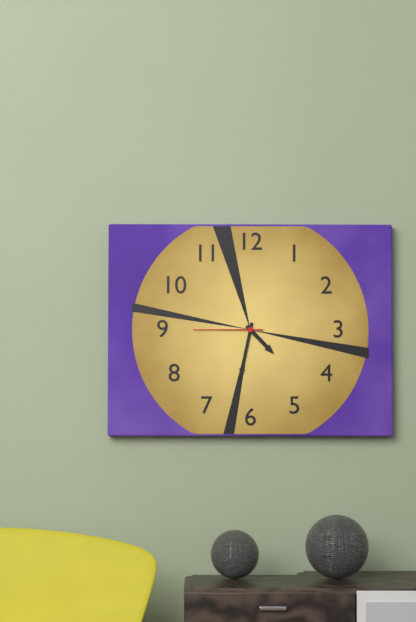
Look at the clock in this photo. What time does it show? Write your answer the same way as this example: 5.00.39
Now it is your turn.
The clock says 4.32.45
